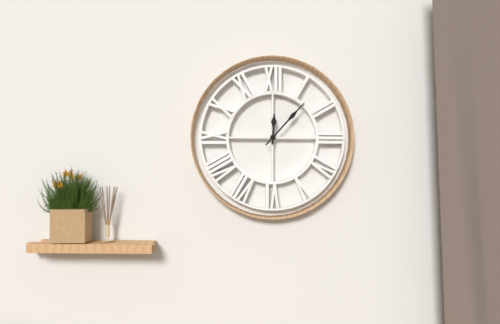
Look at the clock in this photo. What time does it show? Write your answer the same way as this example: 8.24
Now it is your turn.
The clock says 12.07
